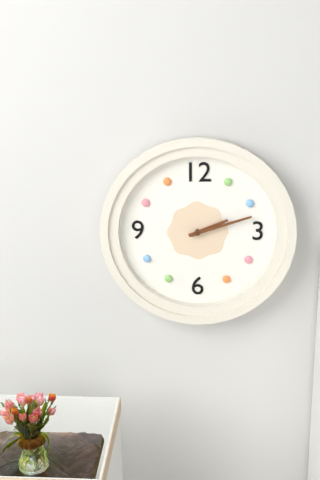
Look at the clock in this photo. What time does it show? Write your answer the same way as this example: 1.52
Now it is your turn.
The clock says 2.12
